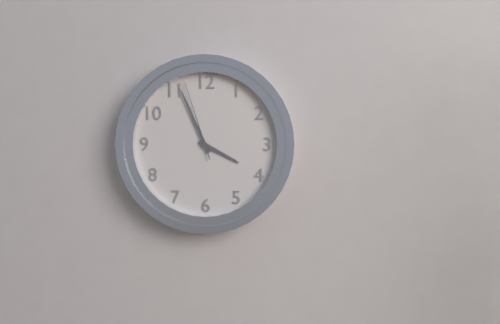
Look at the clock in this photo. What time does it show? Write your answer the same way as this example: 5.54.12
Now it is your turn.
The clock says 3.56.57
